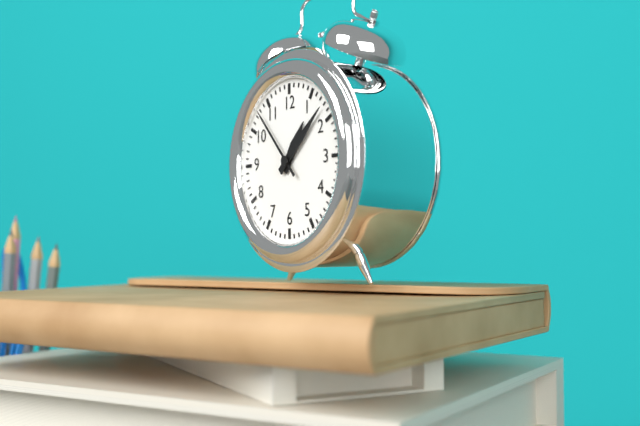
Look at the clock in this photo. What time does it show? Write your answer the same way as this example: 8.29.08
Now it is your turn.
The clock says 1.08.53
